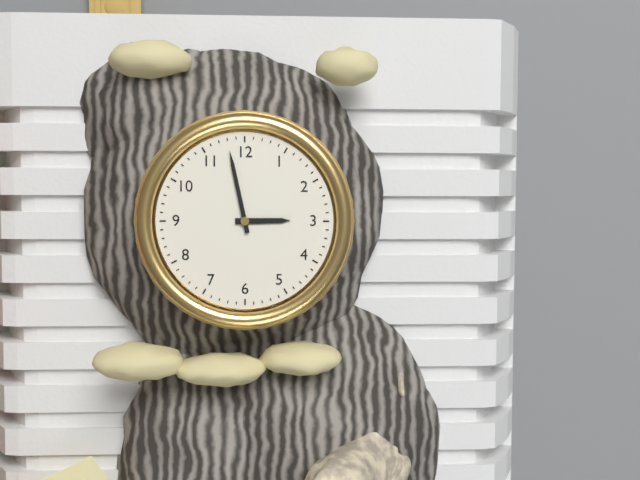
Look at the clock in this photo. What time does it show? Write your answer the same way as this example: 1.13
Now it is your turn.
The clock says 2.58
